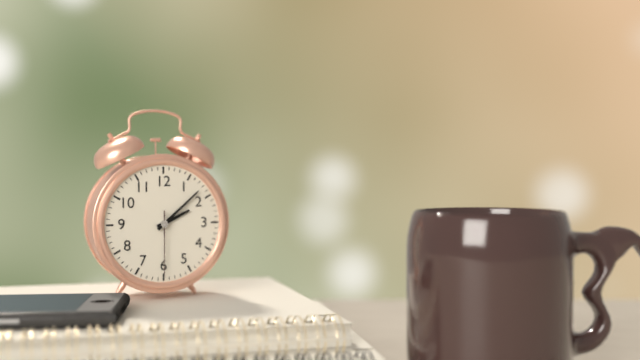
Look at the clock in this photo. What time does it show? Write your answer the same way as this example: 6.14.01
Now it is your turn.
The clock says 2.08.30
